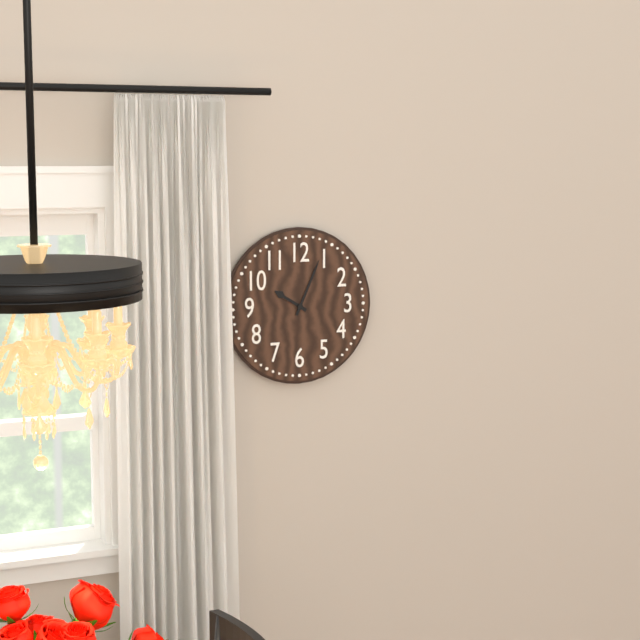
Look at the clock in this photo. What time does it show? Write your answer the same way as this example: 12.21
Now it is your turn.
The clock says 10.04
